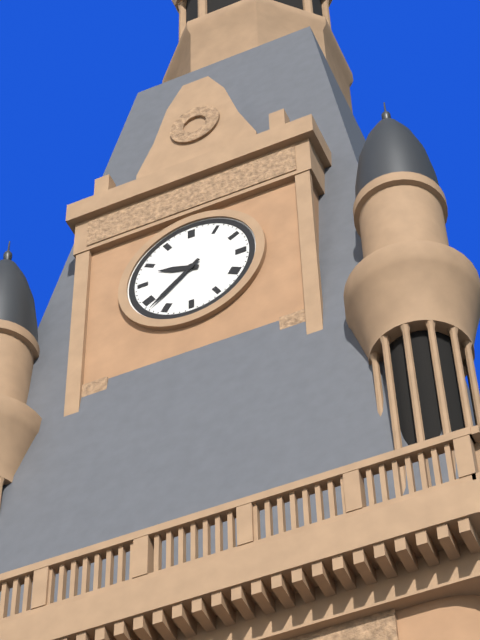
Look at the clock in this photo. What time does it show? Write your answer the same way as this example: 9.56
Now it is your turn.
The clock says 9.38
